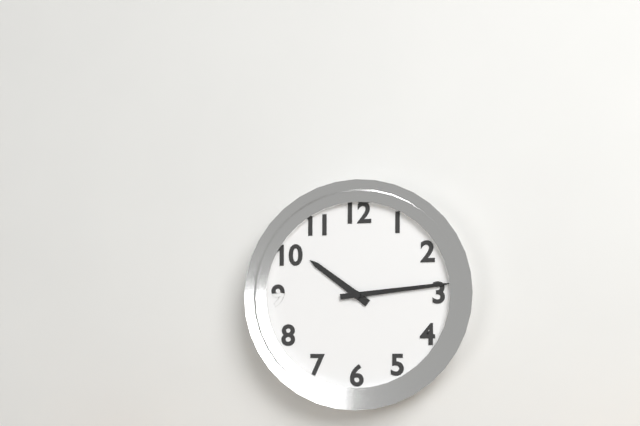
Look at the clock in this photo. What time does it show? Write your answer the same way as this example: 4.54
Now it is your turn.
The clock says 10.14
